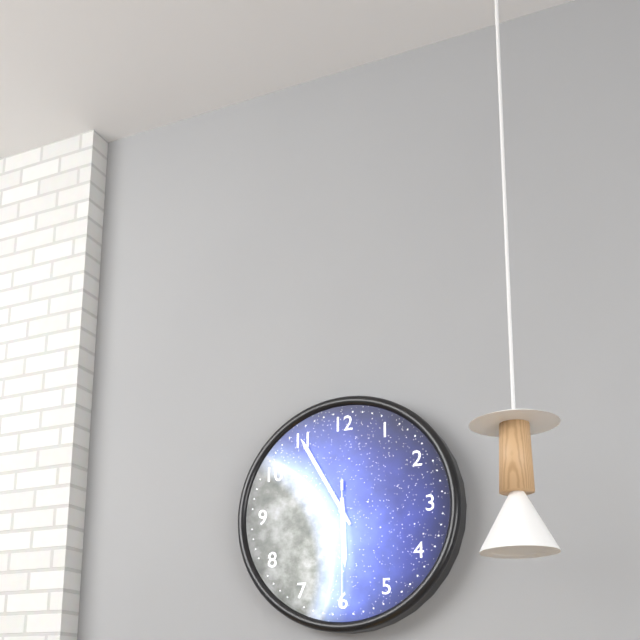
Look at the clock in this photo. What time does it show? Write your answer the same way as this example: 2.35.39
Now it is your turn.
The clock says 5.55.30
